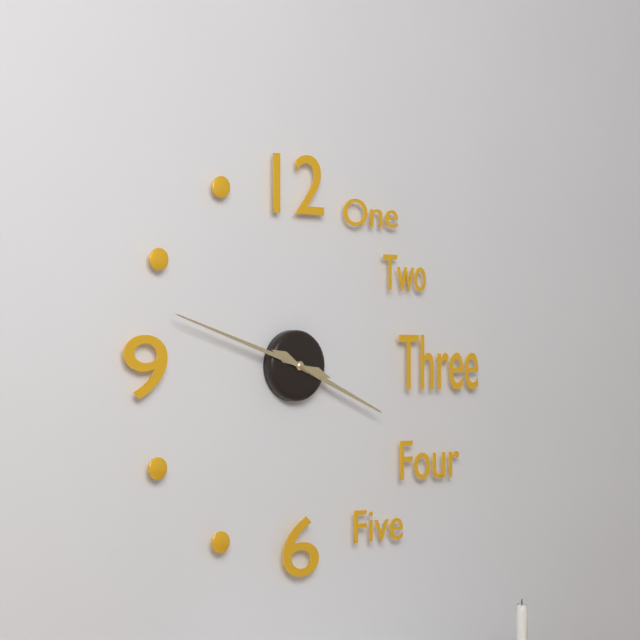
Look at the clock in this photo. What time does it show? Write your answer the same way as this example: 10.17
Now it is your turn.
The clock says 3.48
